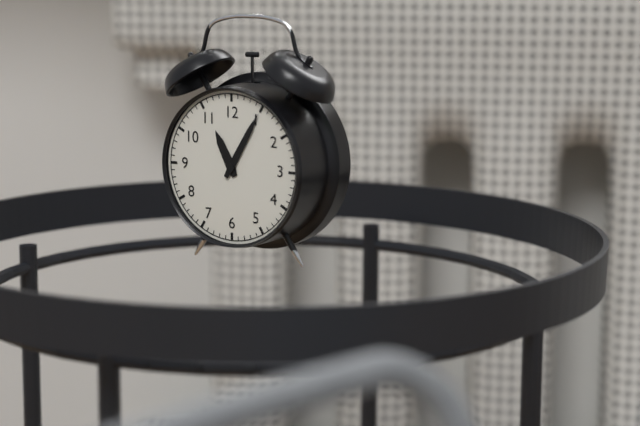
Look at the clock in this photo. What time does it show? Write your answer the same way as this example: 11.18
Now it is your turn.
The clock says 11.05
